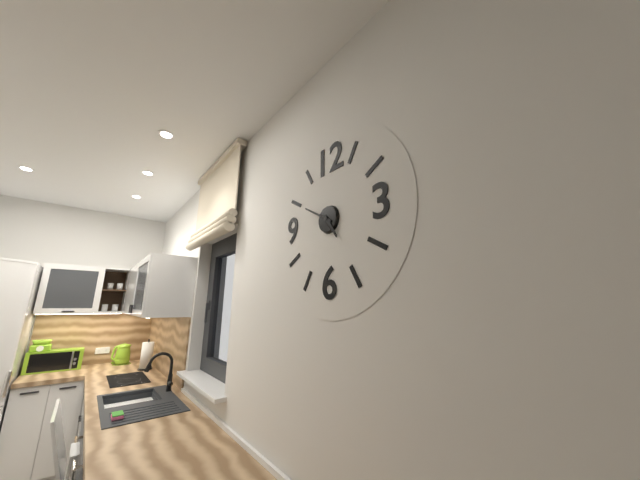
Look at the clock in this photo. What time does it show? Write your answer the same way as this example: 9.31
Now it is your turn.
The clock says 4.50
